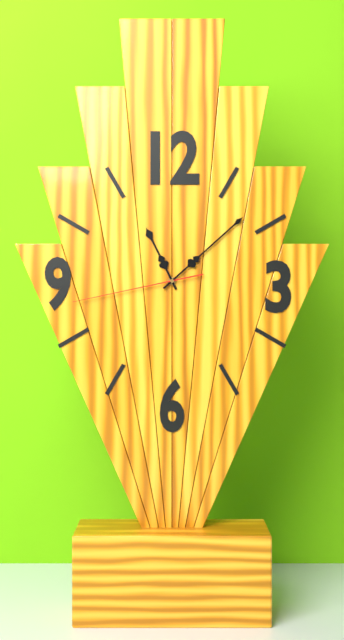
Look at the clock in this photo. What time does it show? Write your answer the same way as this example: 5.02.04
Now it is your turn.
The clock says 11.08.43
